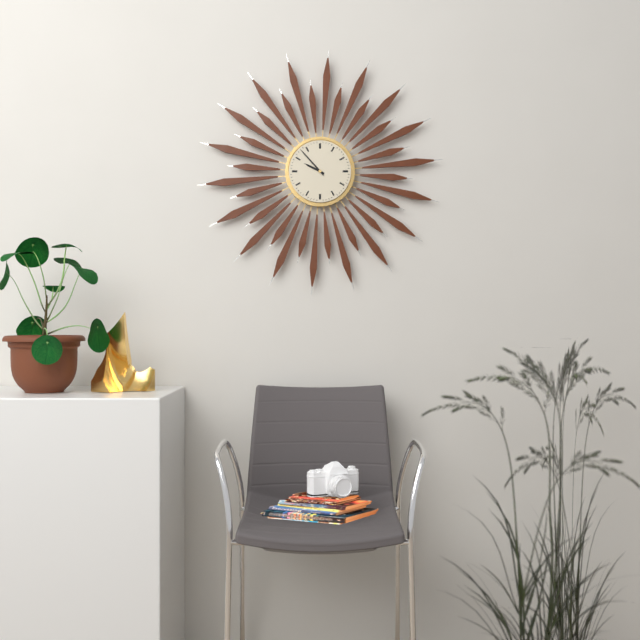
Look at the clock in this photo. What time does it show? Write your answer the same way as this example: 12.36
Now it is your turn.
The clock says 9.53
